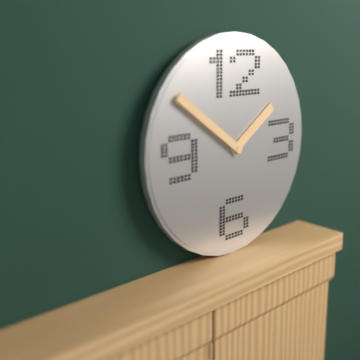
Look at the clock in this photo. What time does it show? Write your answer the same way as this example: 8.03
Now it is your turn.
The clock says 1.51
